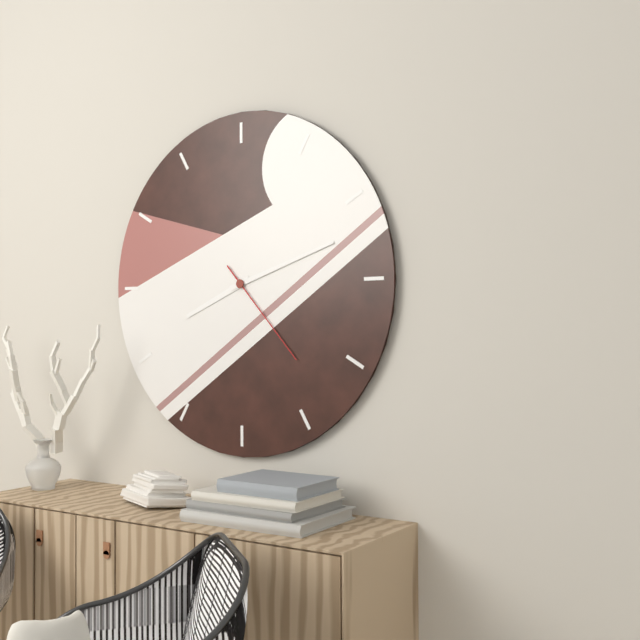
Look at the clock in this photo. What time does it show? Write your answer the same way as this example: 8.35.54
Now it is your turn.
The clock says 8.12.23
